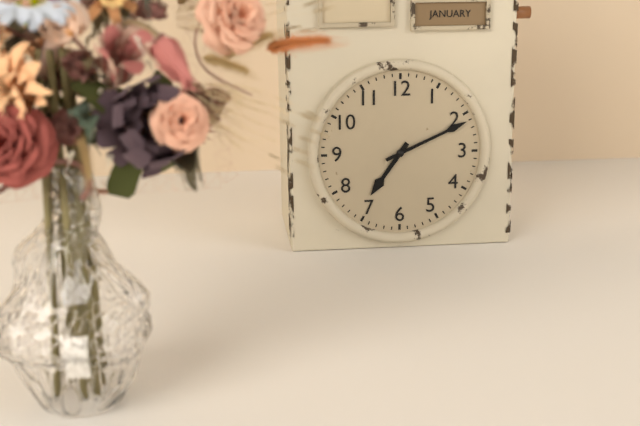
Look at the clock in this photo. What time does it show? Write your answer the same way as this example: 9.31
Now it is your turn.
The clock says 7.11
